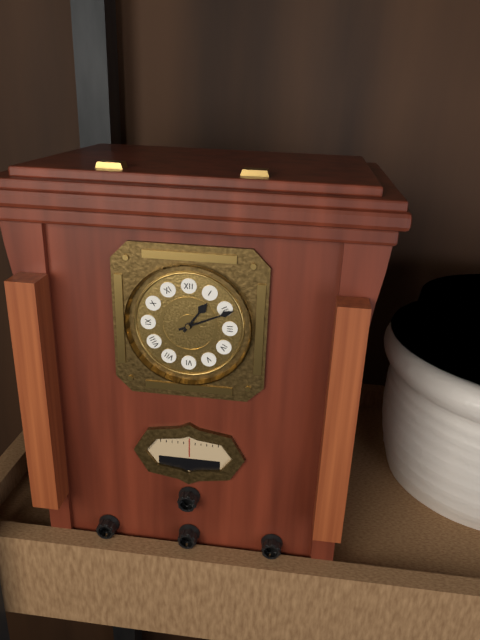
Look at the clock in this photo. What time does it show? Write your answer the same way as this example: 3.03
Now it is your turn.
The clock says 1.11
